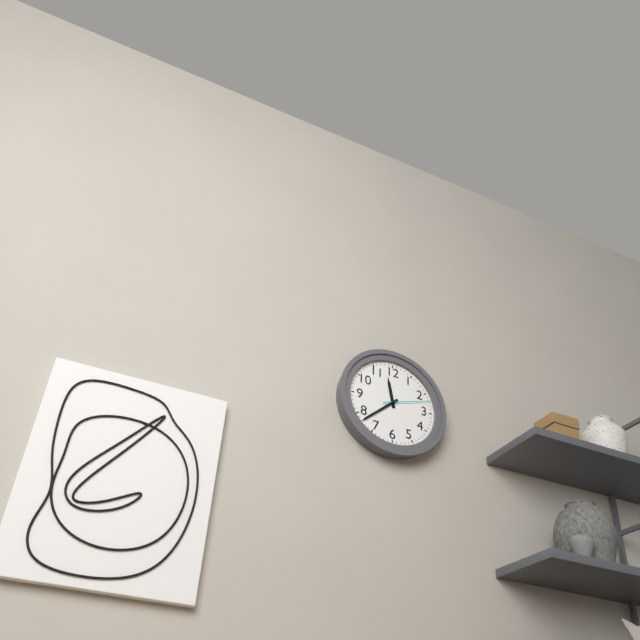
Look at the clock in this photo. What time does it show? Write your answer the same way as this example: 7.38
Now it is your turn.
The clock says 11.38
